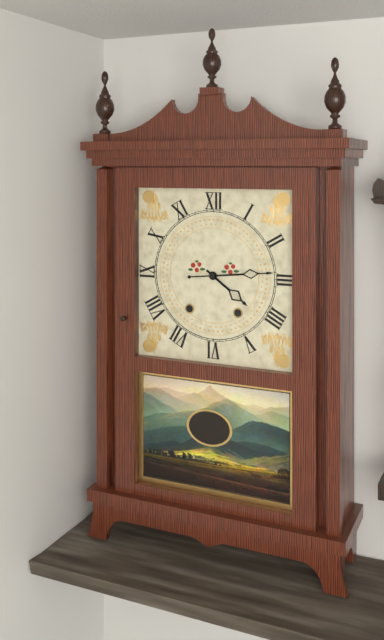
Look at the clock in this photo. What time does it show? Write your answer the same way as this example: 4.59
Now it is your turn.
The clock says 4.14
